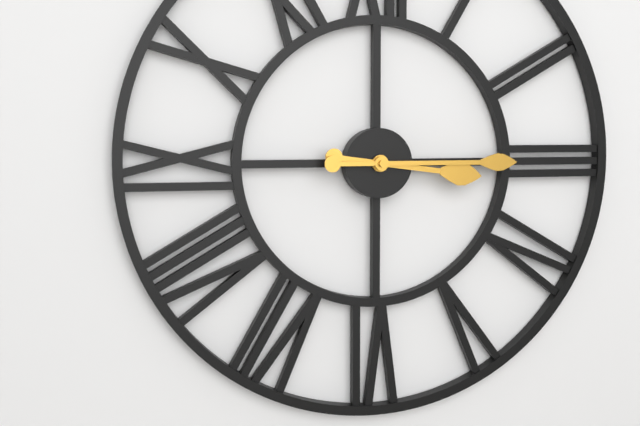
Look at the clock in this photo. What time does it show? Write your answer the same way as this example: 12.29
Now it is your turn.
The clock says 3.15
